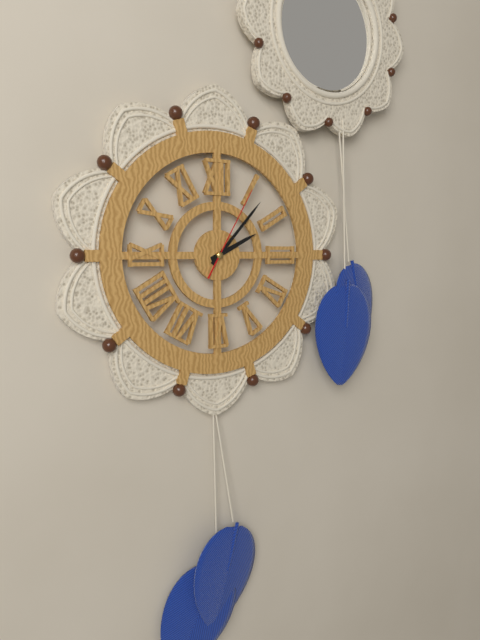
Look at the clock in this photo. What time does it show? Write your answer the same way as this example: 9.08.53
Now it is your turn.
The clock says 2.07.05
